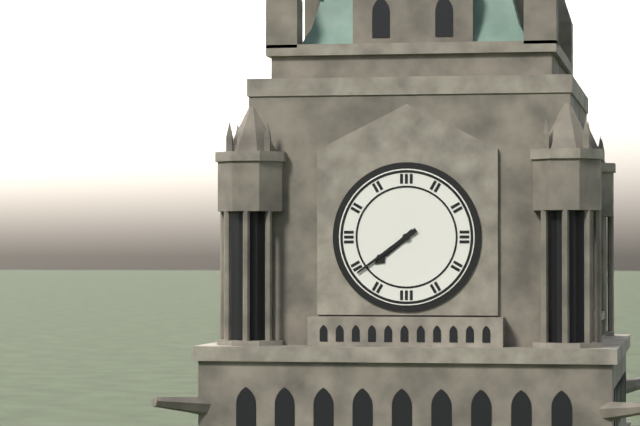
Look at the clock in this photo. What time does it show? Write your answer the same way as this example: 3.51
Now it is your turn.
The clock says 7.39
